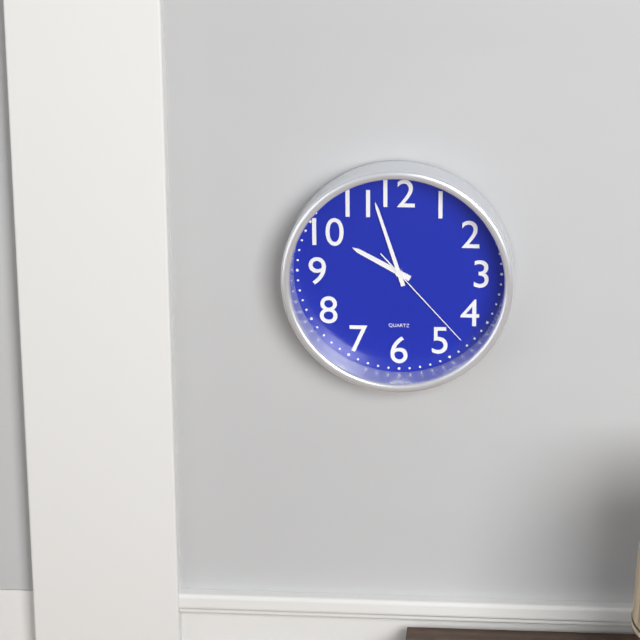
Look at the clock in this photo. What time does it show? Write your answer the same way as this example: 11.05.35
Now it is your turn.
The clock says 9.57.23
